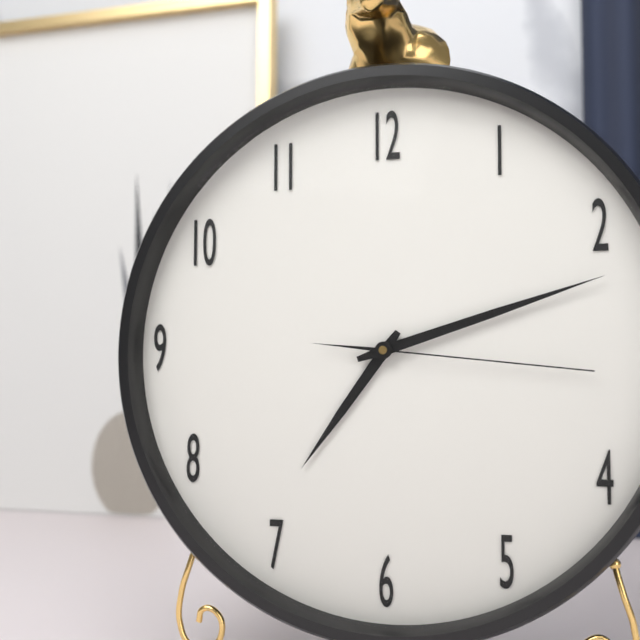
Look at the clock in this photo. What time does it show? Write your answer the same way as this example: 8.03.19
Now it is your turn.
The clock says 7.12.16
